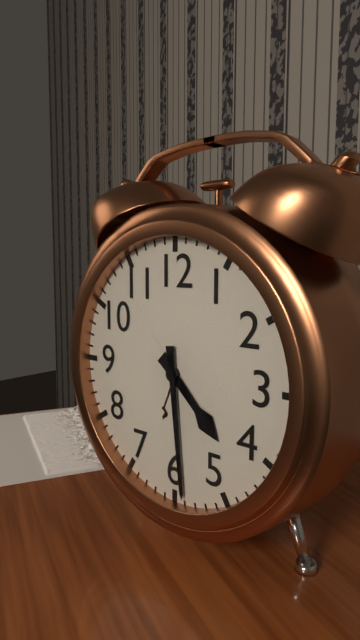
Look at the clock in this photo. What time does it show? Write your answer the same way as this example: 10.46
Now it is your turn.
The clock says 4.29
